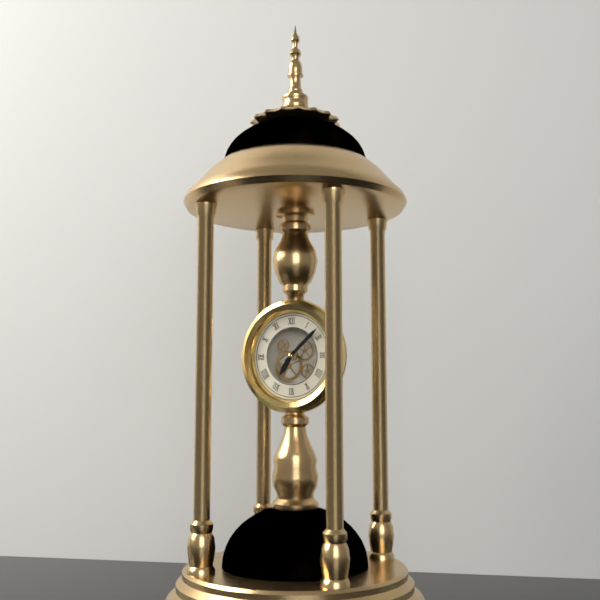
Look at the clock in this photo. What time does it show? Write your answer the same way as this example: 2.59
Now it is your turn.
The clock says 7.08
